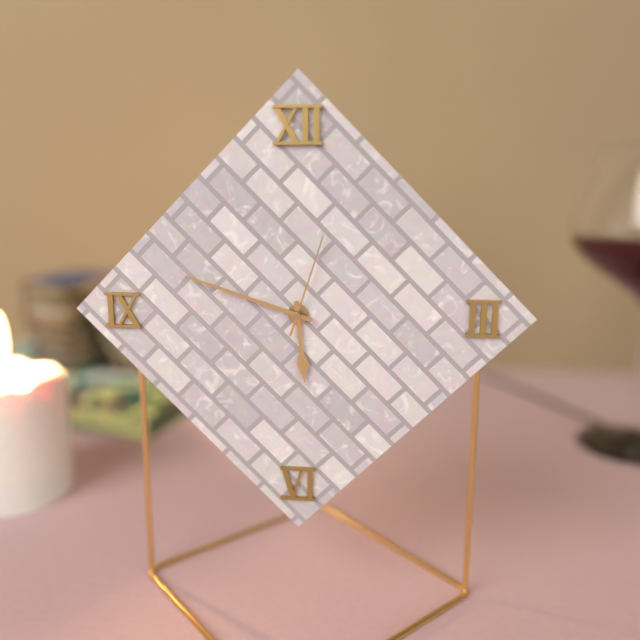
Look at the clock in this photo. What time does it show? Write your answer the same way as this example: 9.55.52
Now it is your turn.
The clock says 5.48.03
